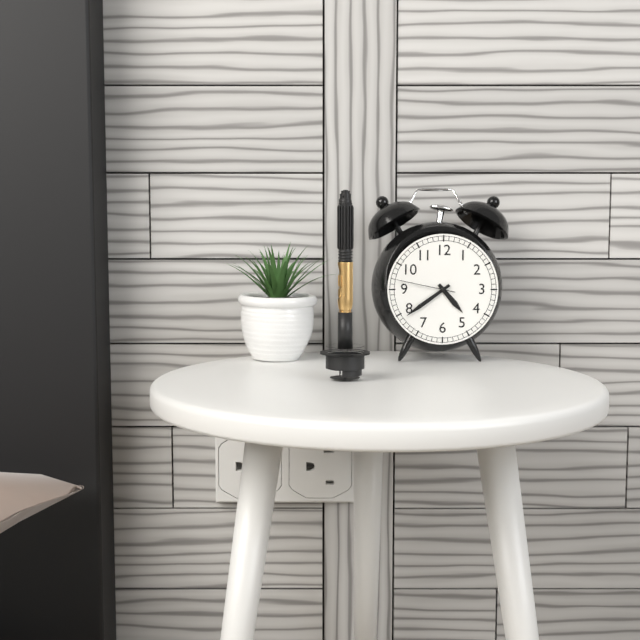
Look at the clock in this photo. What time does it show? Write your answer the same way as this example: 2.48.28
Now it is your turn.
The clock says 4.39.47
